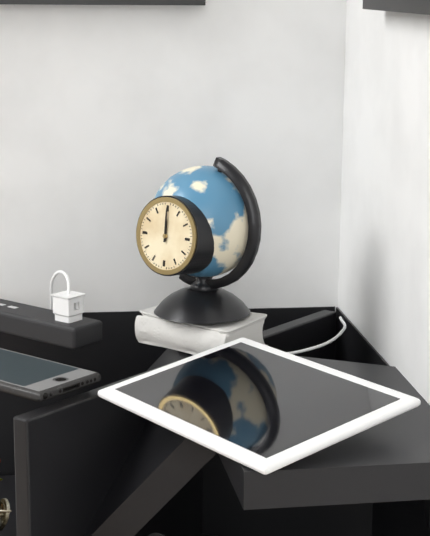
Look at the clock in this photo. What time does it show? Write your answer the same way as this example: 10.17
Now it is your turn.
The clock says 12.00
